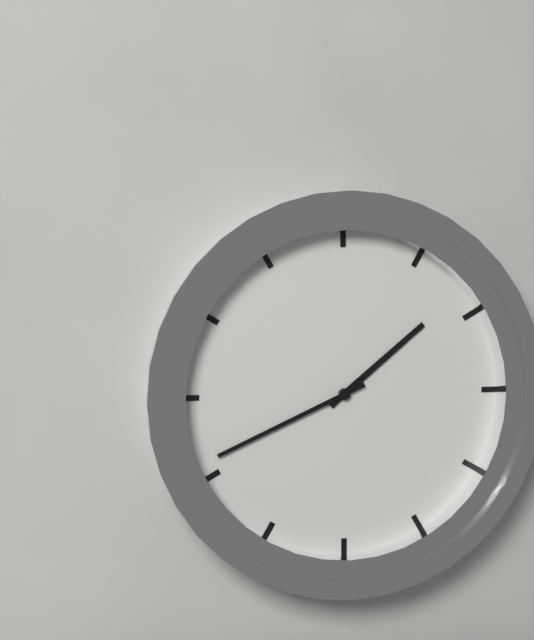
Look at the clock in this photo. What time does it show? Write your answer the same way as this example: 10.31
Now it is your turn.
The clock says 1.41
